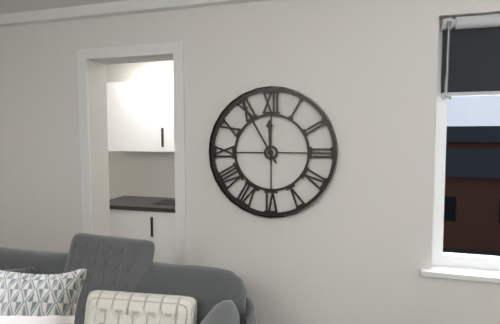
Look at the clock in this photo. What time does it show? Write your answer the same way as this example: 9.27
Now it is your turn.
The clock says 11.55
